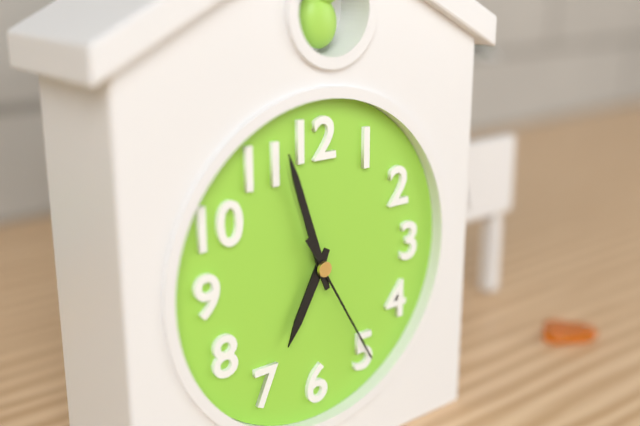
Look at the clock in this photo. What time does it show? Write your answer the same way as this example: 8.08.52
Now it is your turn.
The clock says 6.57.25
